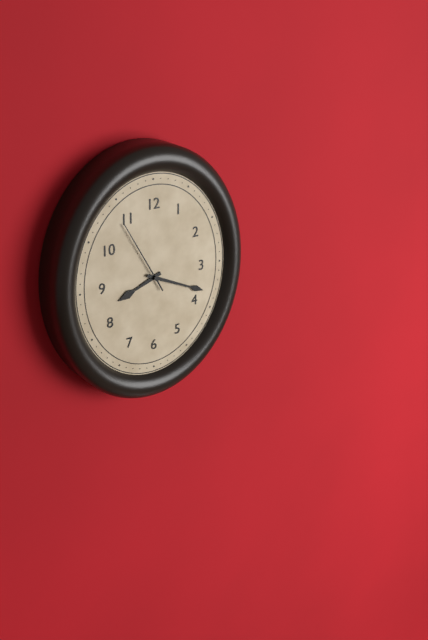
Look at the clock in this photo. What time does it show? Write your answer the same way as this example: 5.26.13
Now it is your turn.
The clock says 8.19.55
